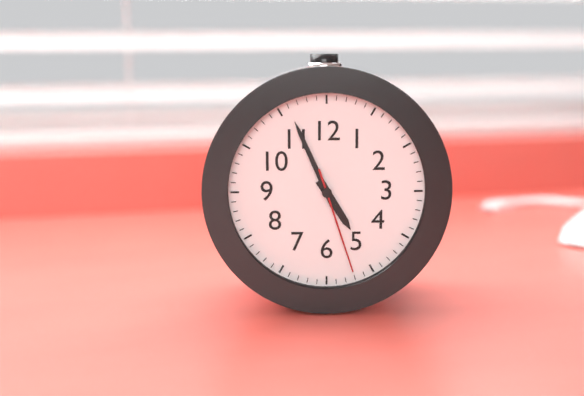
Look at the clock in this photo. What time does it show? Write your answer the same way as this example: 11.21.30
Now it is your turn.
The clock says 4.56.27
